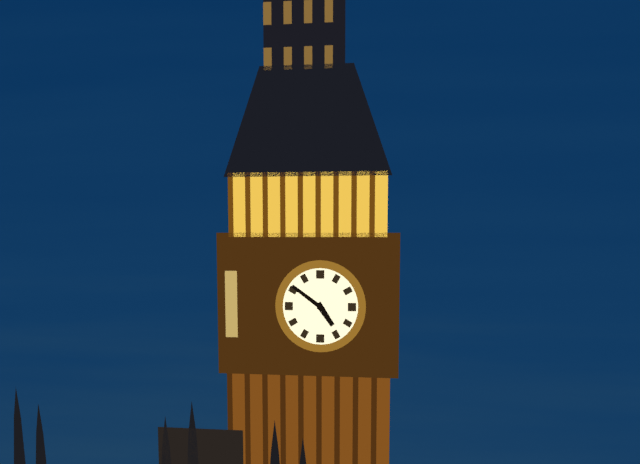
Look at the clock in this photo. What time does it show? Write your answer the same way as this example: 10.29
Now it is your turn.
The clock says 4.51
